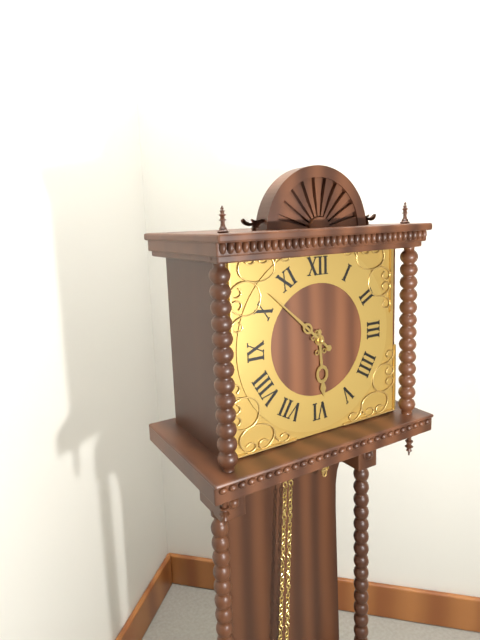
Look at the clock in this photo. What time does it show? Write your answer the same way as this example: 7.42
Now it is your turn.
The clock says 5.52
